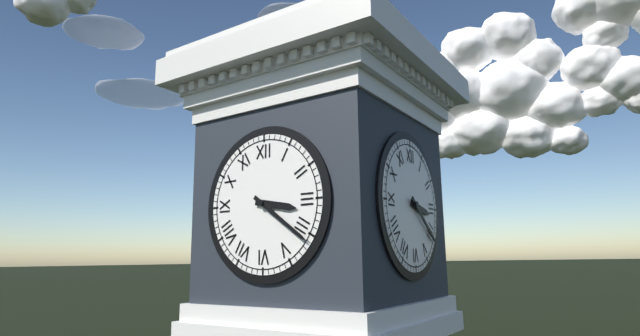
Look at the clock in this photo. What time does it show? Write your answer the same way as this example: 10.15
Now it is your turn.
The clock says 3.21
